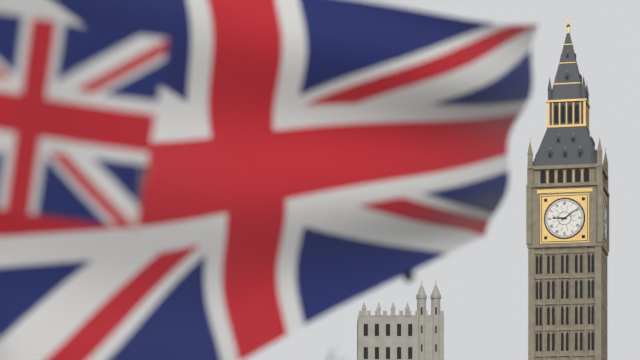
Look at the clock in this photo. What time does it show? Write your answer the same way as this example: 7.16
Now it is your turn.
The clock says 9.09
